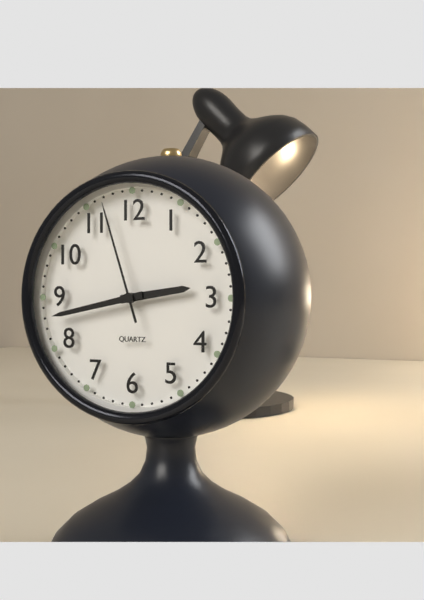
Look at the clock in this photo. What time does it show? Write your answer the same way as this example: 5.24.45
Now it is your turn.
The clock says 2.43.57
